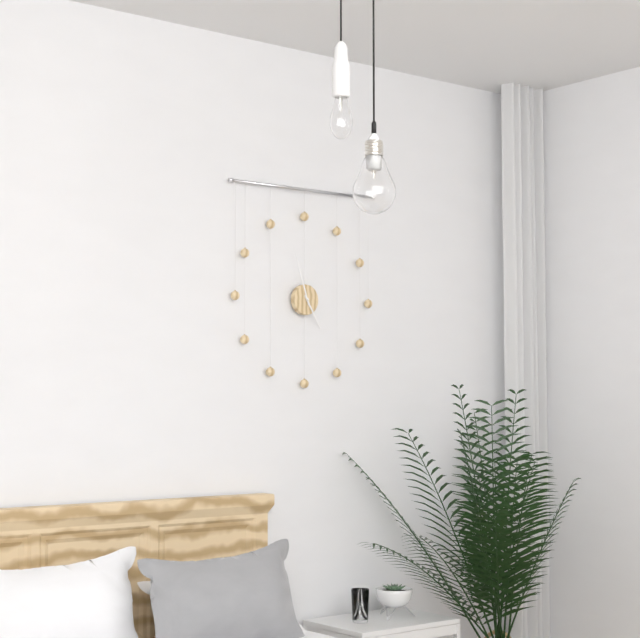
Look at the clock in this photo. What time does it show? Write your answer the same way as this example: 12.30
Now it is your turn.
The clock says 4.57
